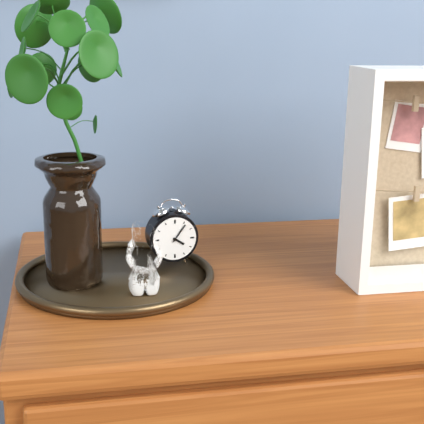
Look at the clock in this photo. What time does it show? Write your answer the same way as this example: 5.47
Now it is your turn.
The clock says 4.06
